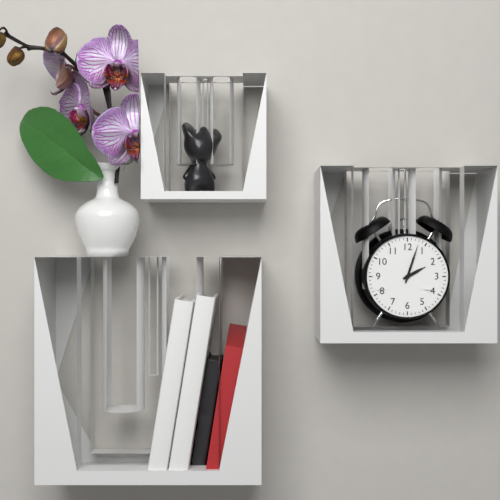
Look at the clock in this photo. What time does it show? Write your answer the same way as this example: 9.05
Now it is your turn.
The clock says 2.03
